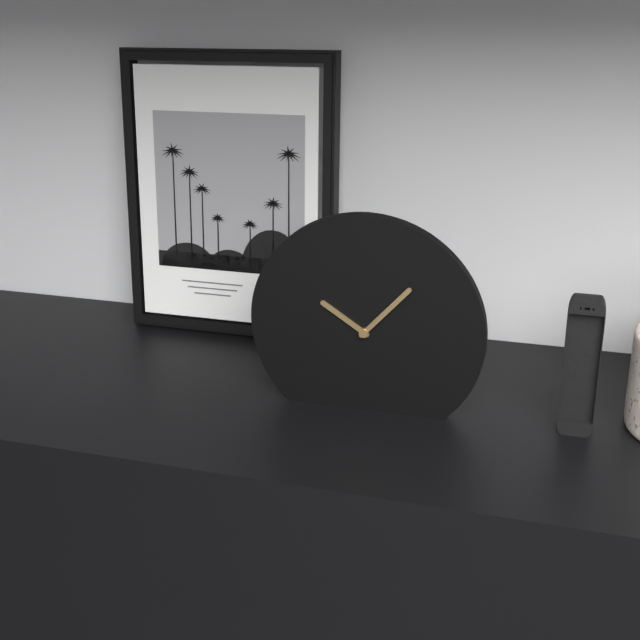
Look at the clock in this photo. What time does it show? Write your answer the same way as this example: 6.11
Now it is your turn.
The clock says 10.07
